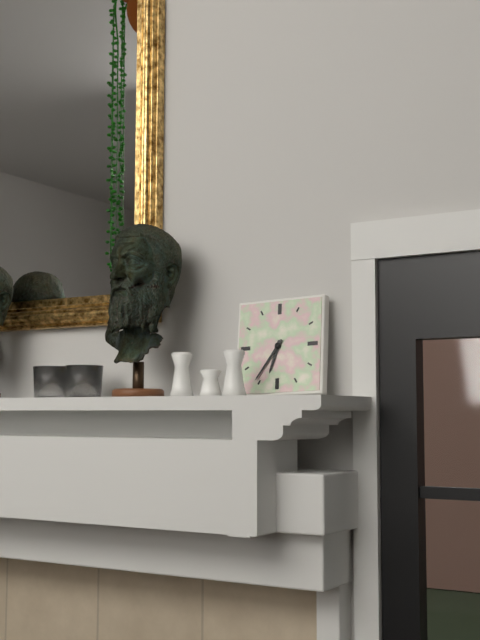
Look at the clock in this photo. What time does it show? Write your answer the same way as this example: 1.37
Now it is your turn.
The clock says 6.36
